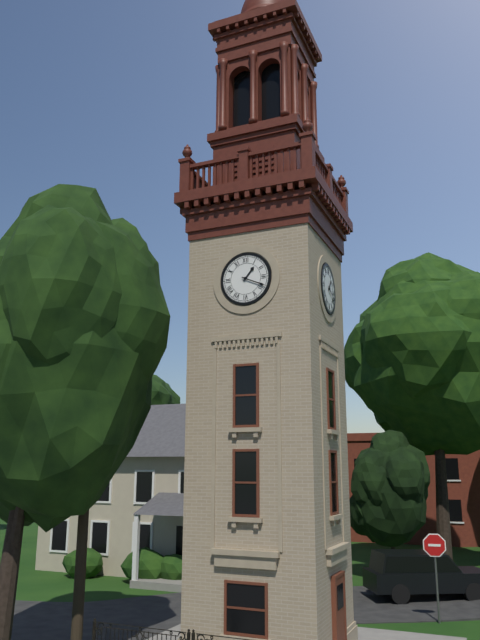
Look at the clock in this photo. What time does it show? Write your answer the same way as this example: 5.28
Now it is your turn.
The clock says 1.19
